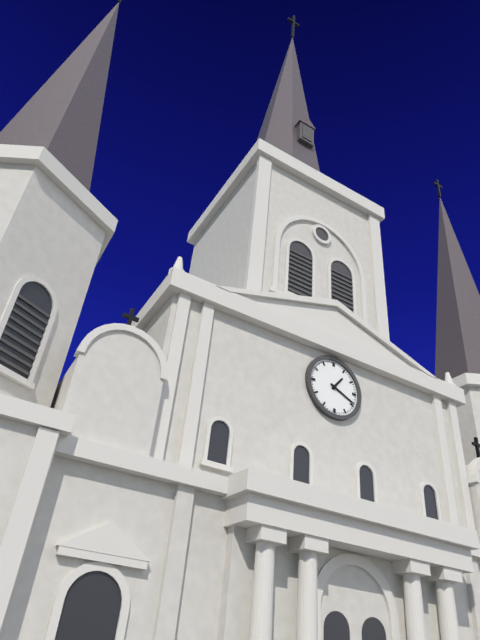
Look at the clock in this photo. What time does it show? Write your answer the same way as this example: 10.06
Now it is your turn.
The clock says 1.19
